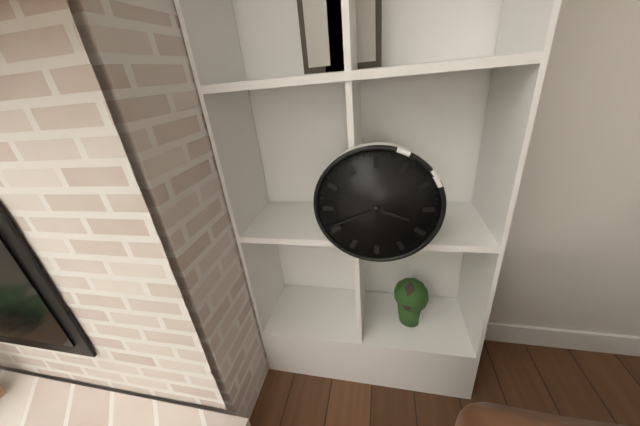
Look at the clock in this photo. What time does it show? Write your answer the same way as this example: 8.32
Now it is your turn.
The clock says 3.41
